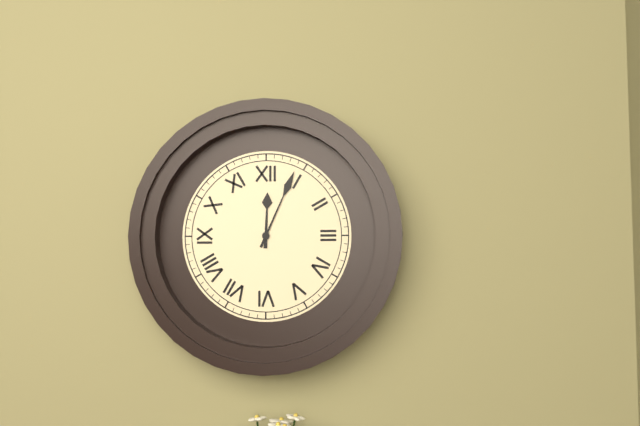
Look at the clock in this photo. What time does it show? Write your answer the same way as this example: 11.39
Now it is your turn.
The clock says 12.04
